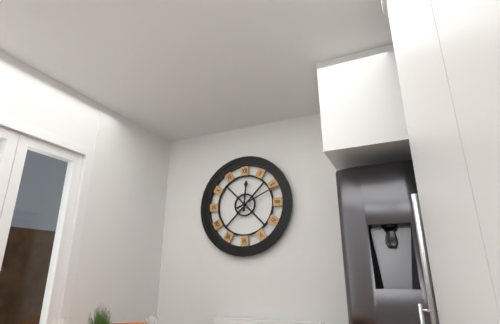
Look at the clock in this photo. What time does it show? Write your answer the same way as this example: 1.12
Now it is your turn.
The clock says 12.11
